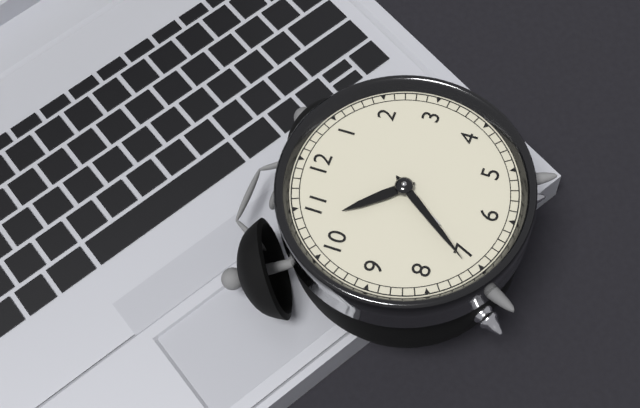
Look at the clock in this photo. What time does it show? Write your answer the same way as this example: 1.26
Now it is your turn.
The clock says 10.36
